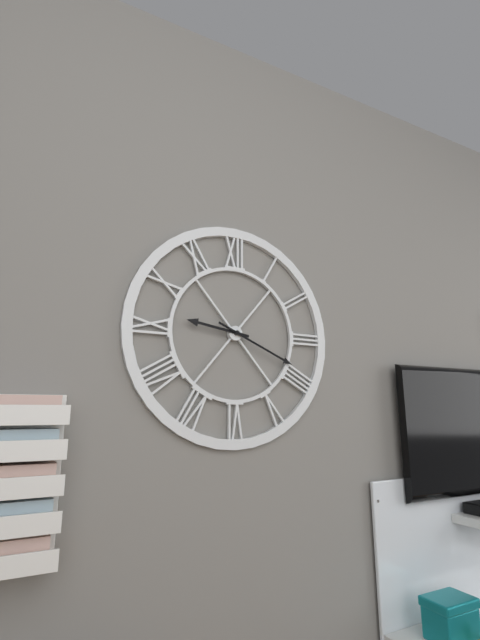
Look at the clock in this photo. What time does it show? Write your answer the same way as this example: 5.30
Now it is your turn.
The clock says 9.19
